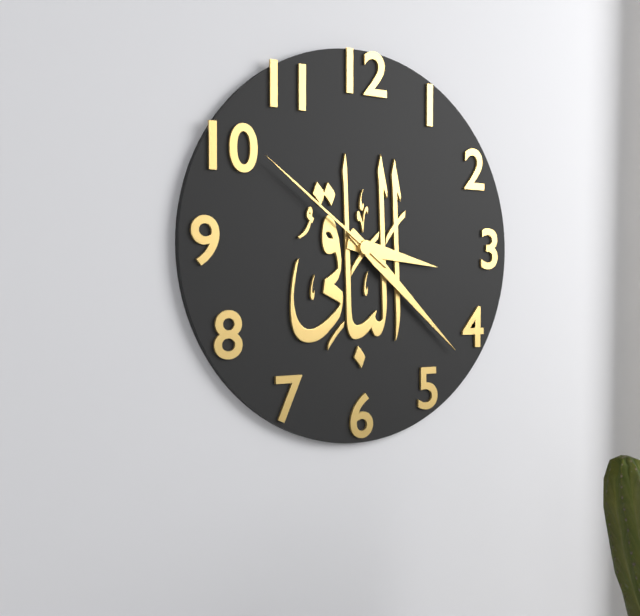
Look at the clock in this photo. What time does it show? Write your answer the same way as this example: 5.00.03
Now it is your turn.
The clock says 3.22.51
